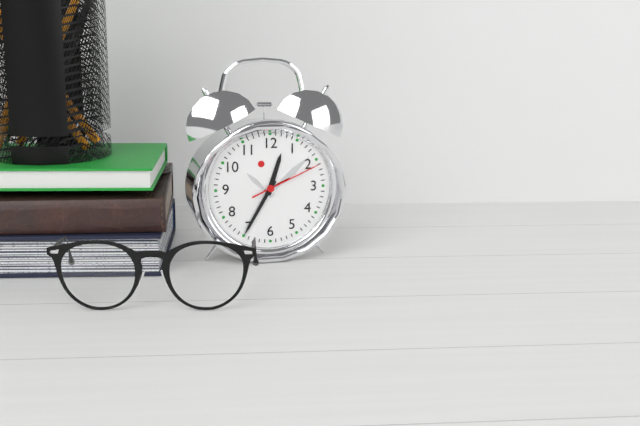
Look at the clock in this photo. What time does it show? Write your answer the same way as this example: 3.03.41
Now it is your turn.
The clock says 12.35.11
